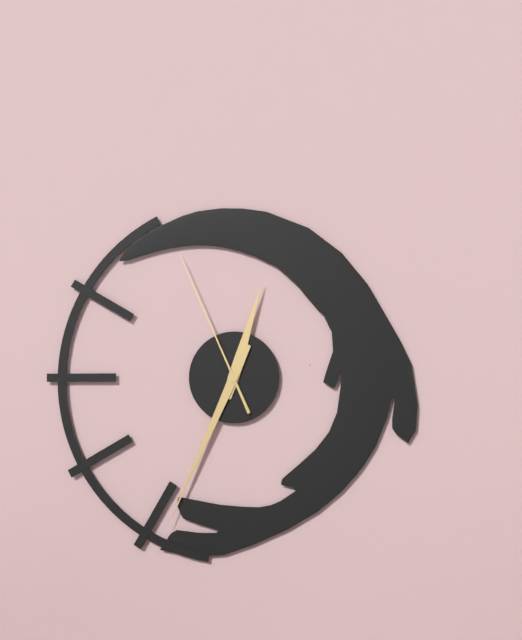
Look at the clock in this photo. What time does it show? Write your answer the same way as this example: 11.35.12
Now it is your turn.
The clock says 12.34.56
